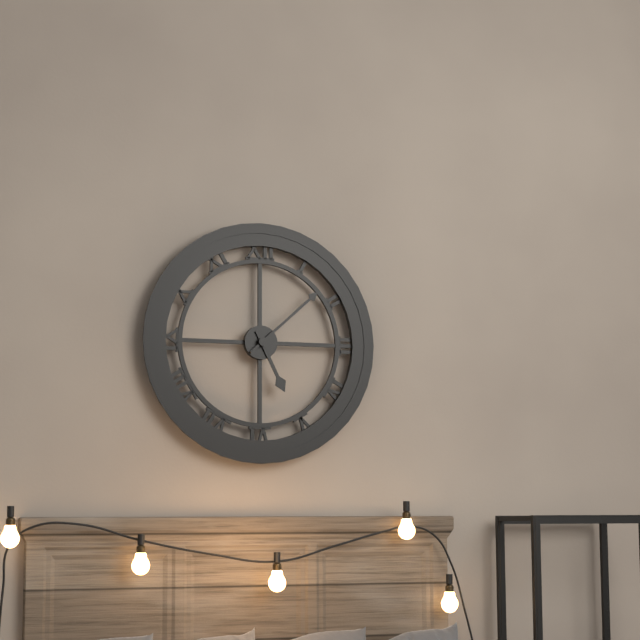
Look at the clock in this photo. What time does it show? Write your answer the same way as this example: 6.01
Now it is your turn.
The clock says 5.08
